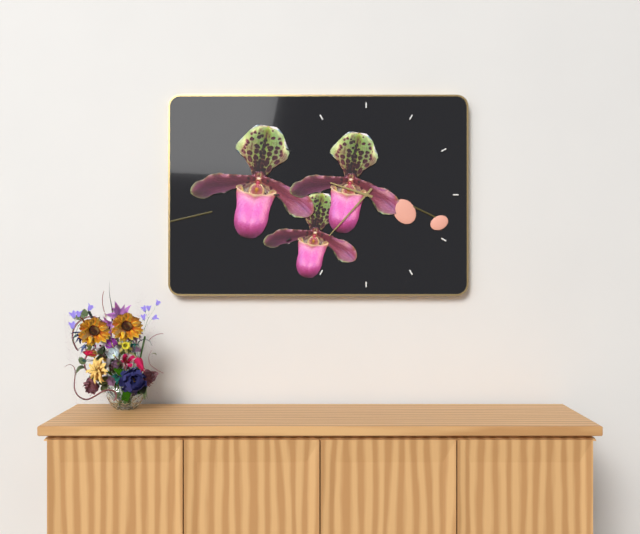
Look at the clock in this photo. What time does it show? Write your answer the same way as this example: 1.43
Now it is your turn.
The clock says 9.37
